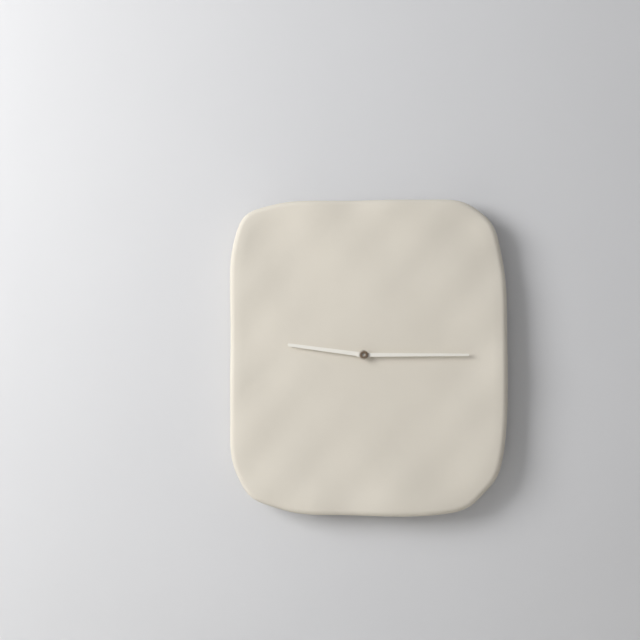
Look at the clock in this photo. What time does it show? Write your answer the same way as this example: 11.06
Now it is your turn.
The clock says 9.15
